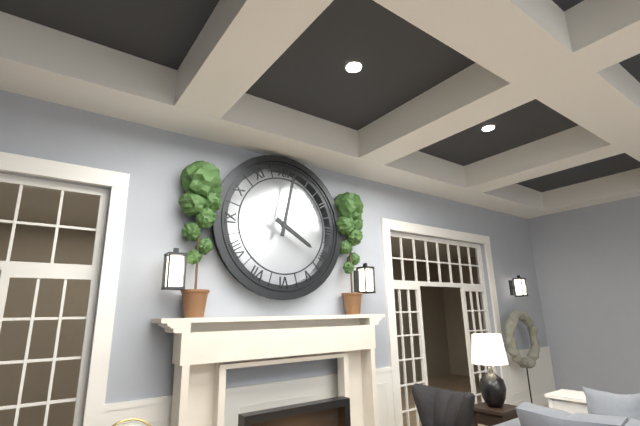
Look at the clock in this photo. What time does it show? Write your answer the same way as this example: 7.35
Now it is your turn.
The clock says 4.02
